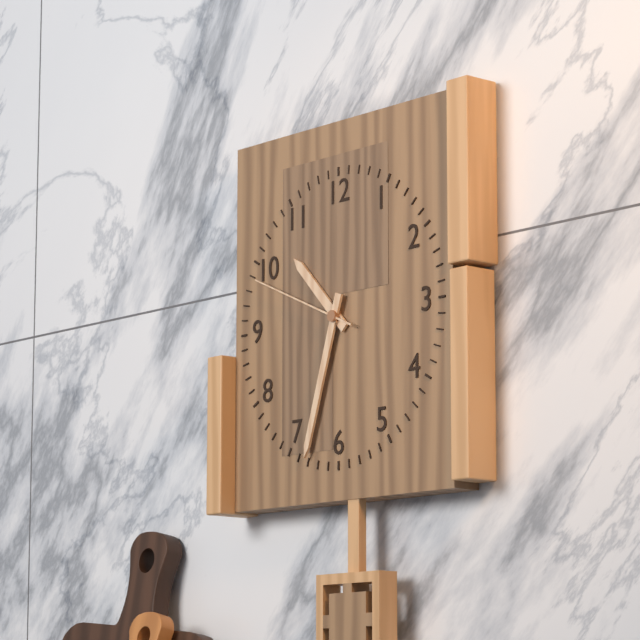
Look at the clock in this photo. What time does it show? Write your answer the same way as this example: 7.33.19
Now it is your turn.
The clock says 10.33.49
